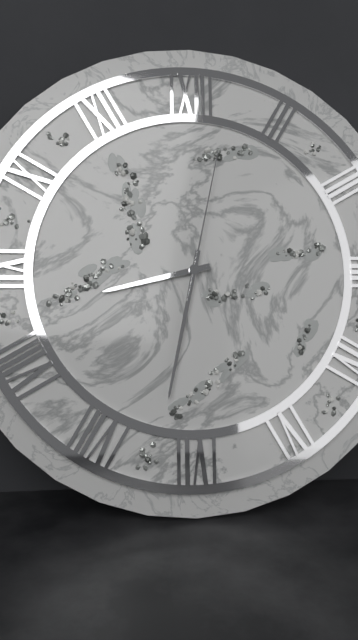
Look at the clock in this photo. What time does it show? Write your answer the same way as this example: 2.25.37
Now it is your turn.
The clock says 8.32.02
